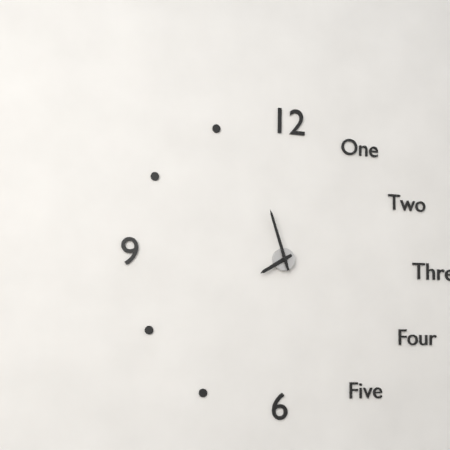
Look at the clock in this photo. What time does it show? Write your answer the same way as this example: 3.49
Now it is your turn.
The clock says 7.57
